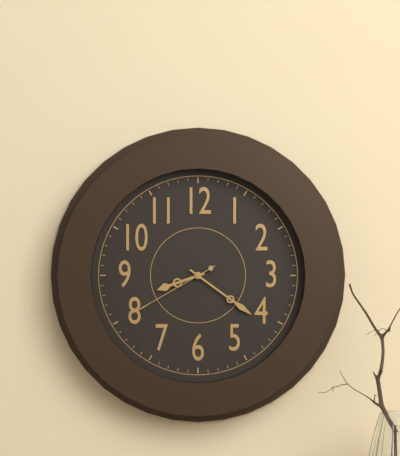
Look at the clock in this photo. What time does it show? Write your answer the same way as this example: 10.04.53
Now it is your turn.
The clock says 8.21.40
